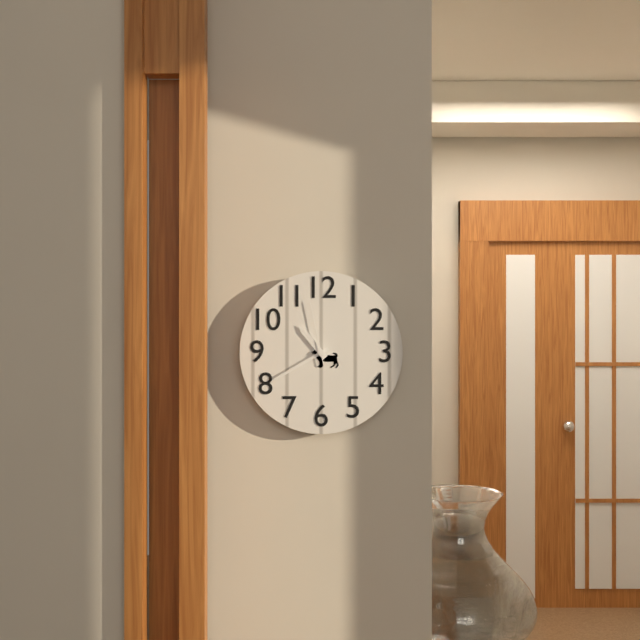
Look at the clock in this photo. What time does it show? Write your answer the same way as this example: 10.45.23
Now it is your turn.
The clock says 10.40.58
